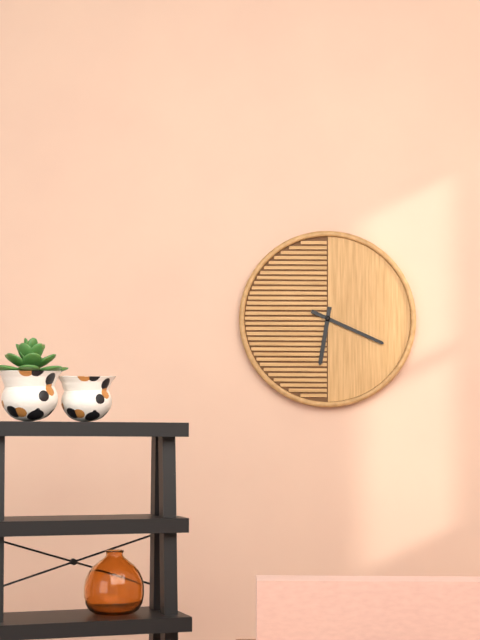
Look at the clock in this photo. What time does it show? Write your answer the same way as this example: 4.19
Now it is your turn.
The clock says 6.19
